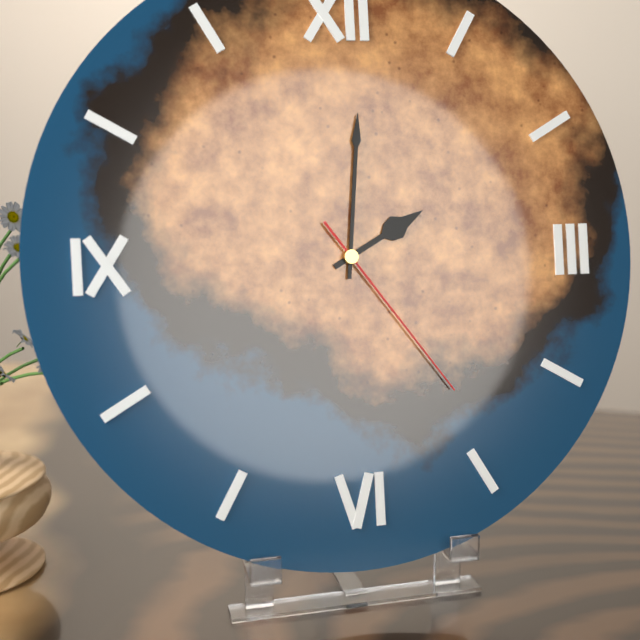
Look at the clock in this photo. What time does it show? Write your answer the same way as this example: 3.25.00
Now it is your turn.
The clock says 2.01.24
